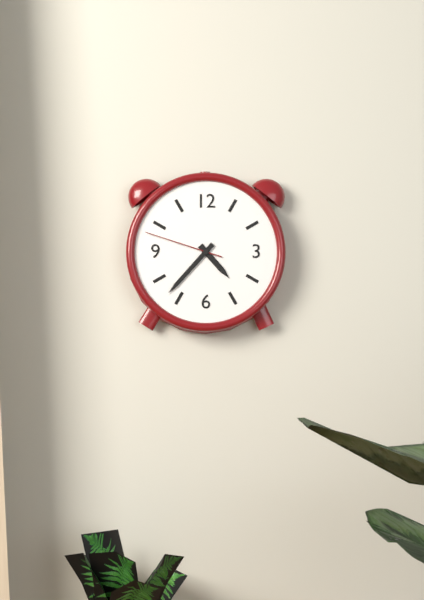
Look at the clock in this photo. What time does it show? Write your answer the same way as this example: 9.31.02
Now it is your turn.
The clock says 4.37.48
